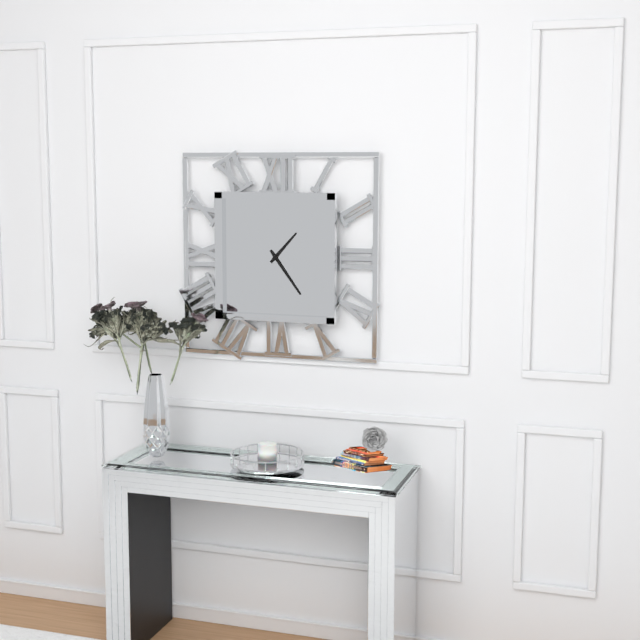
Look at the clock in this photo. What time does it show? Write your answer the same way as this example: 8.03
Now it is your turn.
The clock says 1.24
